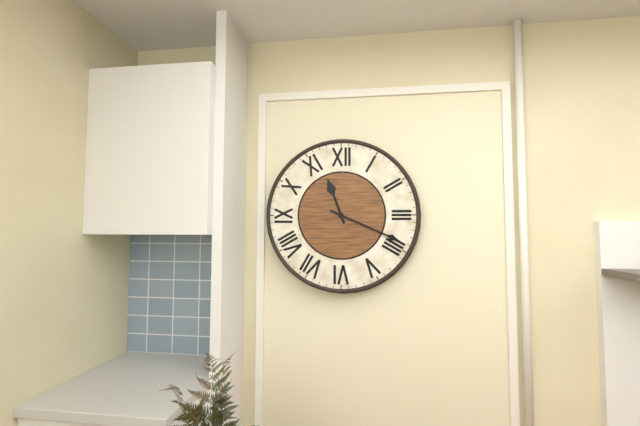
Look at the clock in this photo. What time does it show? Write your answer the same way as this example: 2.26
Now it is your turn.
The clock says 11.19
